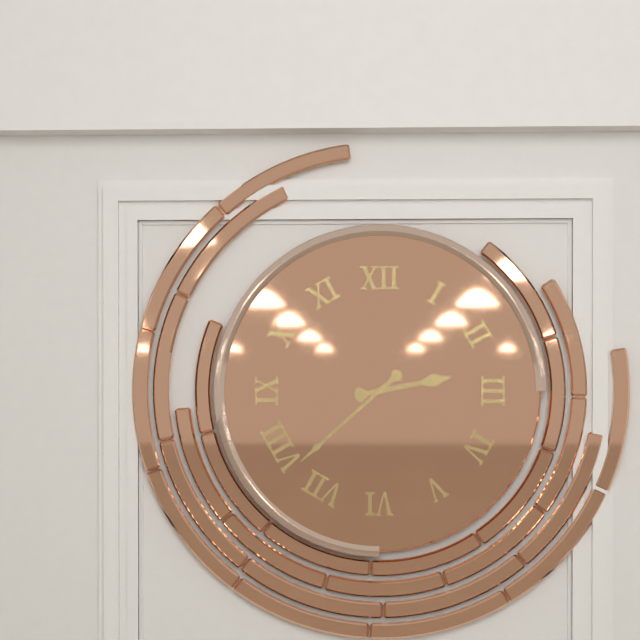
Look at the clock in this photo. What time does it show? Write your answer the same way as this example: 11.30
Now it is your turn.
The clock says 2.38
